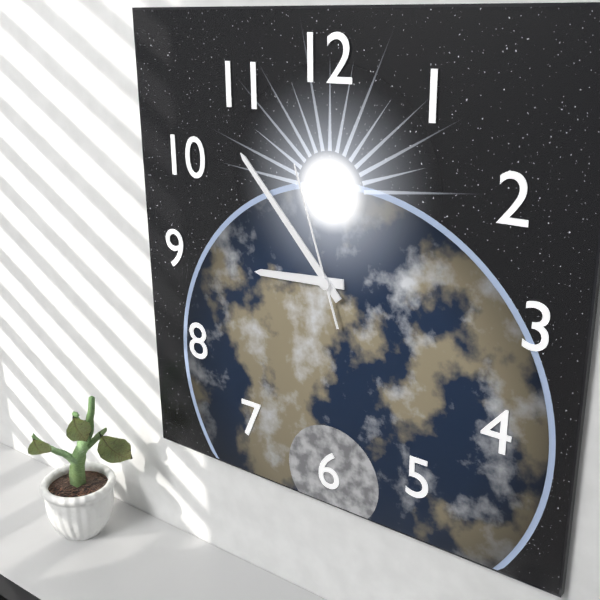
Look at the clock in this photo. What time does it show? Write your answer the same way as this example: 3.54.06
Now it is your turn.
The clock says 8.53.57
